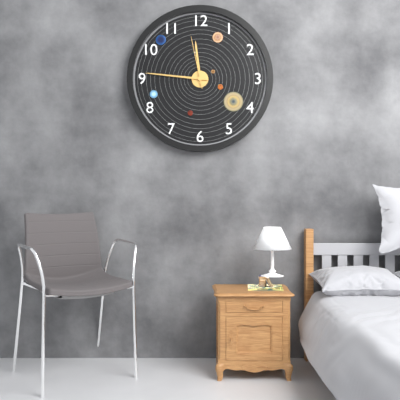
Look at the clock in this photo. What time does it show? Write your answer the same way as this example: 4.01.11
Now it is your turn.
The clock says 11.46.58
